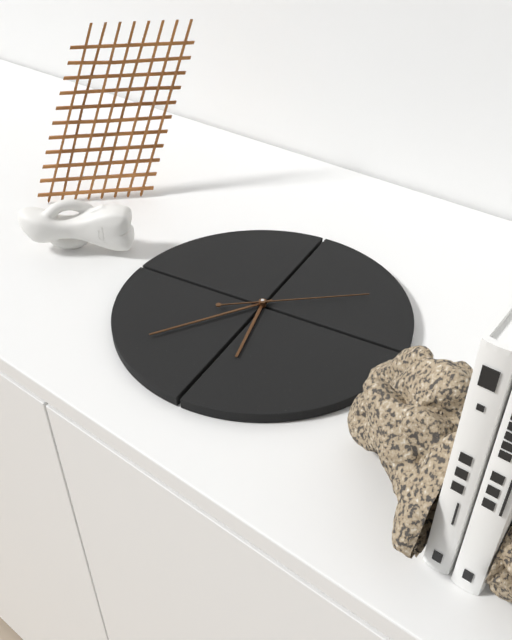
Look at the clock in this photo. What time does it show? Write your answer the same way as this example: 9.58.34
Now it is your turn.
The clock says 5.36.09
